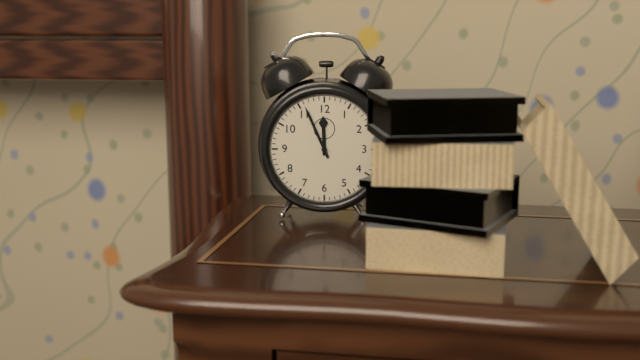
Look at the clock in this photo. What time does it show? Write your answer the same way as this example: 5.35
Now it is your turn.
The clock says 11.56
